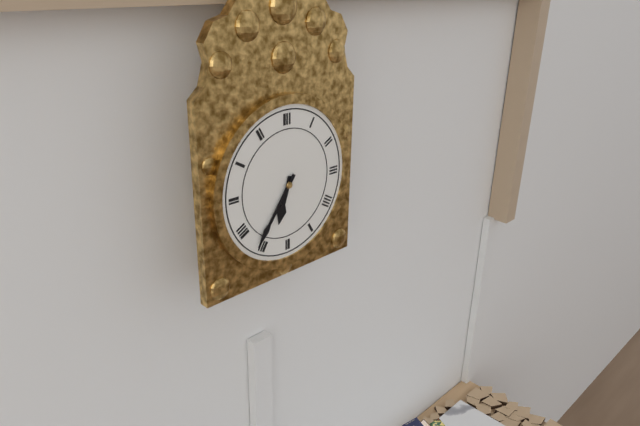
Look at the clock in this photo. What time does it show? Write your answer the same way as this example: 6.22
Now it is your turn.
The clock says 6.36
